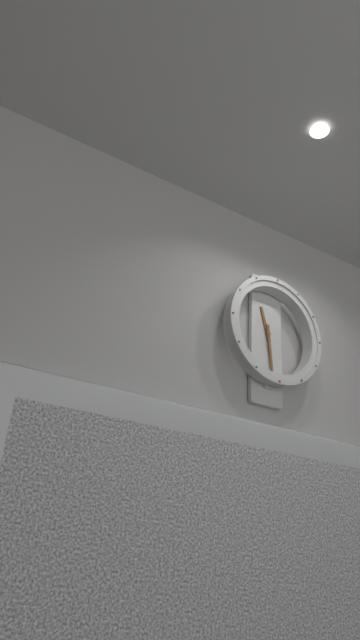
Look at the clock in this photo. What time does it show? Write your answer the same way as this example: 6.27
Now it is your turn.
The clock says 11.29
